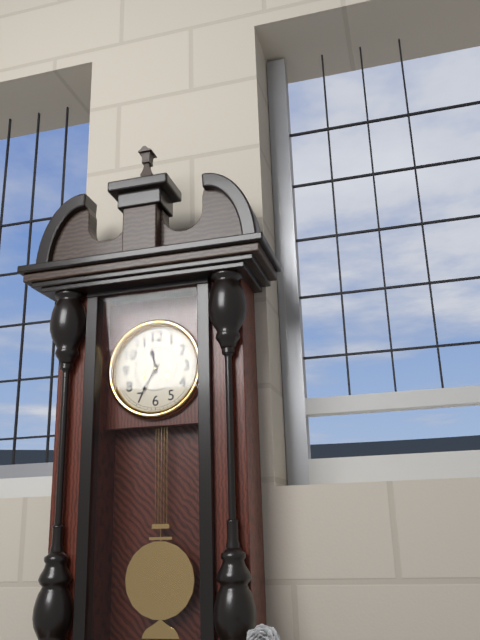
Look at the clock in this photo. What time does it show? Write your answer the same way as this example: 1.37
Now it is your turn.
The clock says 11.35
